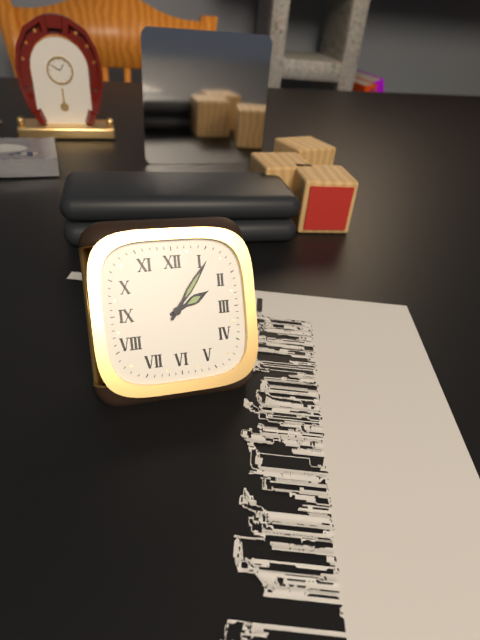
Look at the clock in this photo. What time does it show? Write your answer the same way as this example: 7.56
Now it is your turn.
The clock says 2.06
